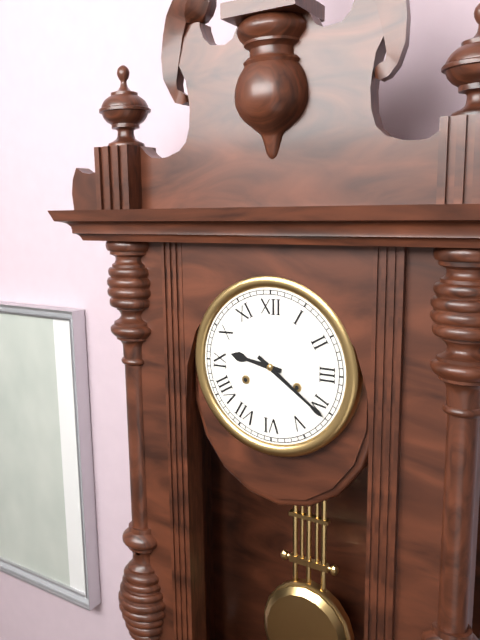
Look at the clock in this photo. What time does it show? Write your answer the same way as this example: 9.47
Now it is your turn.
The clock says 9.21
